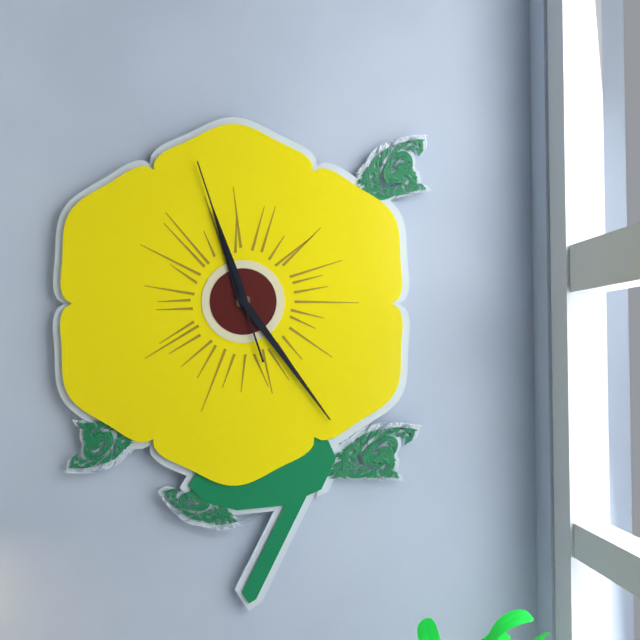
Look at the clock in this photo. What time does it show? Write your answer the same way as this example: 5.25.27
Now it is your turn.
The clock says 11.24.57
